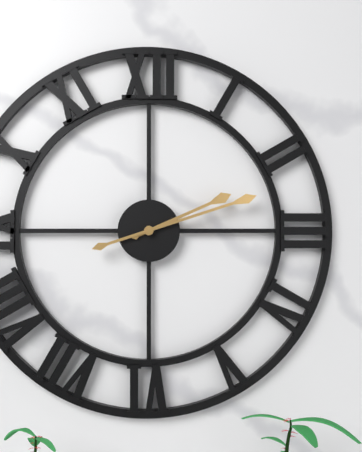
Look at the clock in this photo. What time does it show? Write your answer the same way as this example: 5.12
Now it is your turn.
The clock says 2.12
